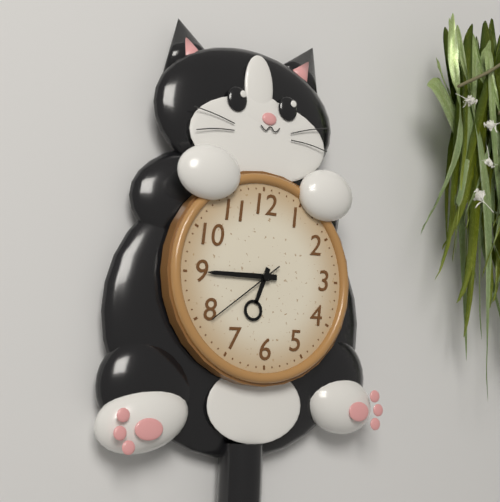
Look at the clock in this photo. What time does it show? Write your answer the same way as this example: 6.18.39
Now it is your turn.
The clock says 6.45.39
